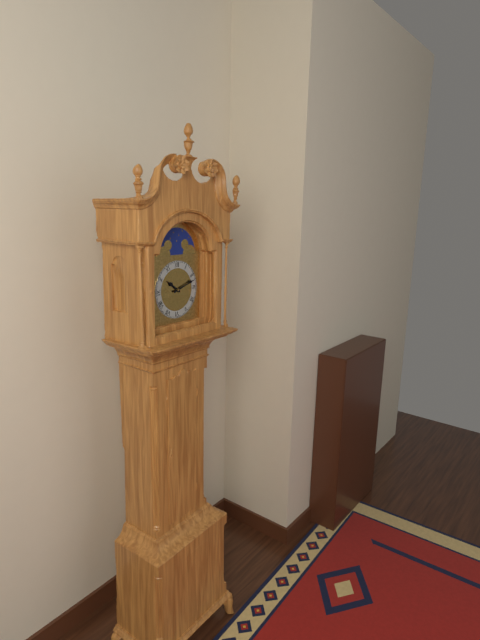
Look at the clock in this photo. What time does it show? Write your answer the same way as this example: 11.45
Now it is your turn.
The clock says 10.12
